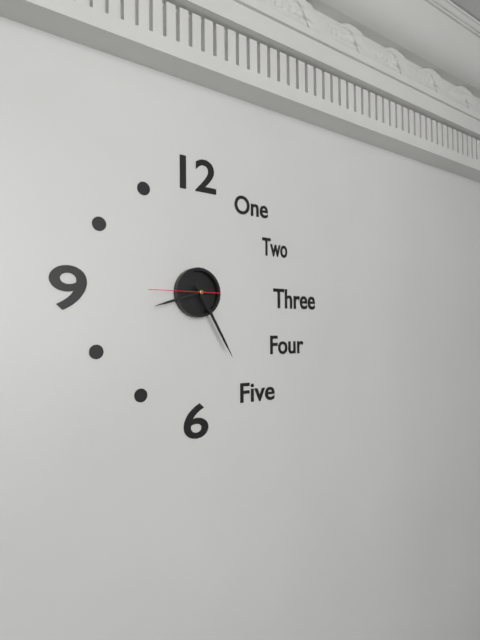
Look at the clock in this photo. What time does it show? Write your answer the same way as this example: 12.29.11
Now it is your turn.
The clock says 8.25.45
